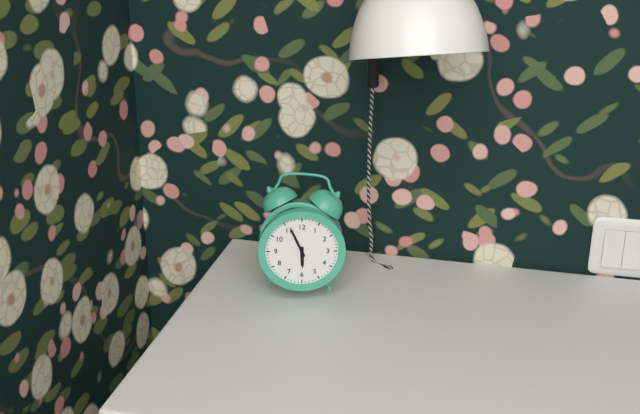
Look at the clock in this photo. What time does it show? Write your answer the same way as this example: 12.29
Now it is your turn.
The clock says 5.56
